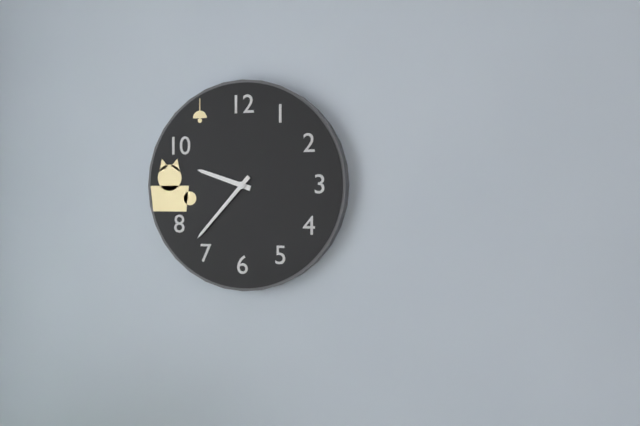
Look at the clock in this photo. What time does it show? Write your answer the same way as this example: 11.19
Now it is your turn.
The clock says 9.37
